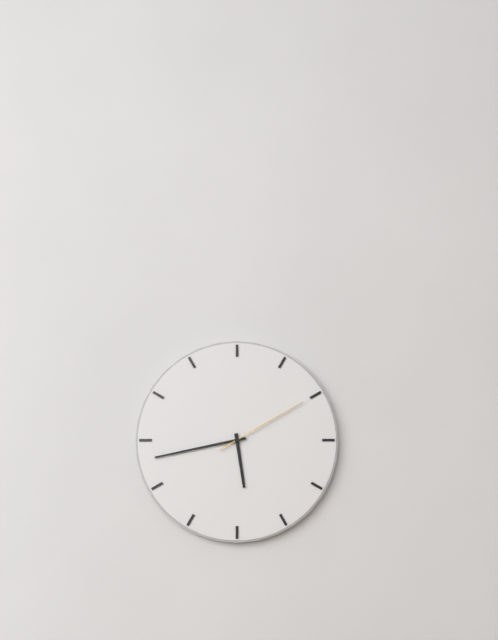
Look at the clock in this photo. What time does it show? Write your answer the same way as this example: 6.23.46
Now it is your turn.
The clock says 5.43.10
